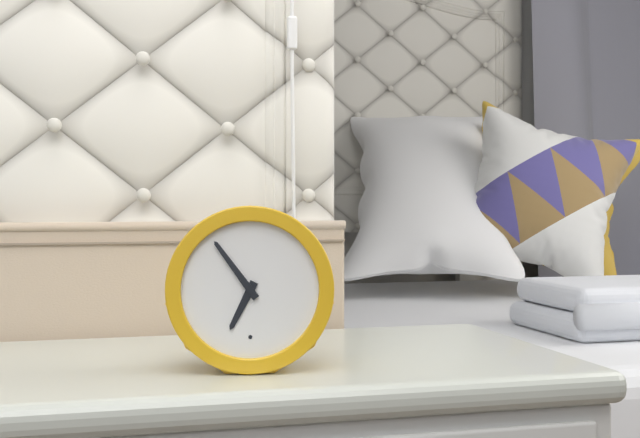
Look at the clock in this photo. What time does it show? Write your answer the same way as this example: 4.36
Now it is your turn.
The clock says 6.54
